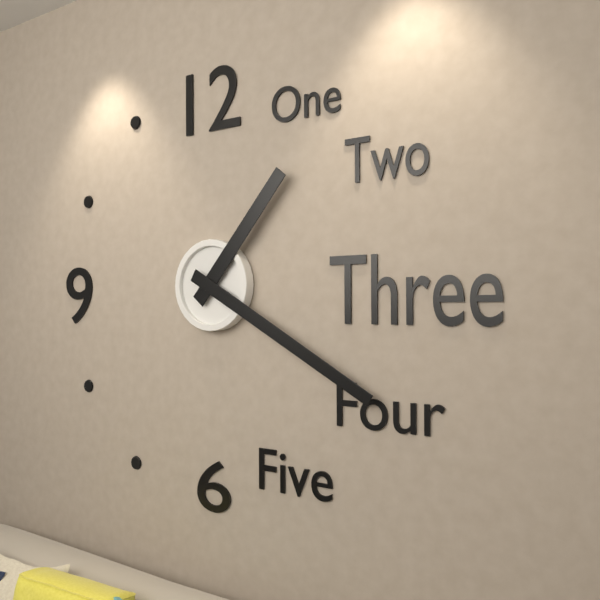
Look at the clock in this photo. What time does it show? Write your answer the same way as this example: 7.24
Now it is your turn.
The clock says 1.20
